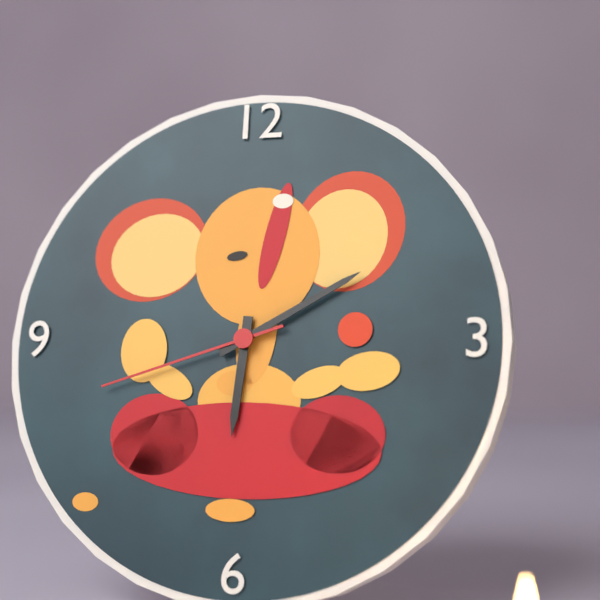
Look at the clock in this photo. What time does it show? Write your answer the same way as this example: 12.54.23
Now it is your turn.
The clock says 6.10.42
